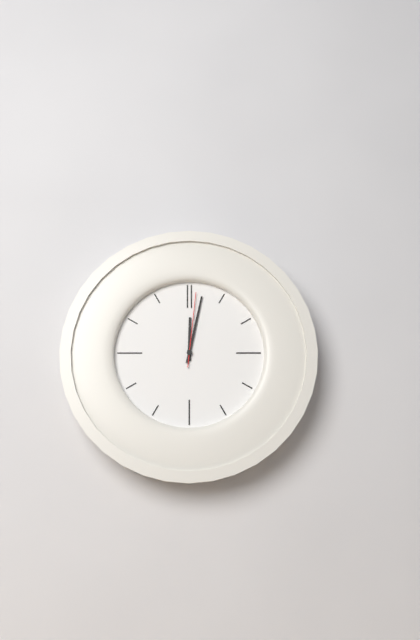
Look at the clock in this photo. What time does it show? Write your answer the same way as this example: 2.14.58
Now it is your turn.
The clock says 12.02.01
